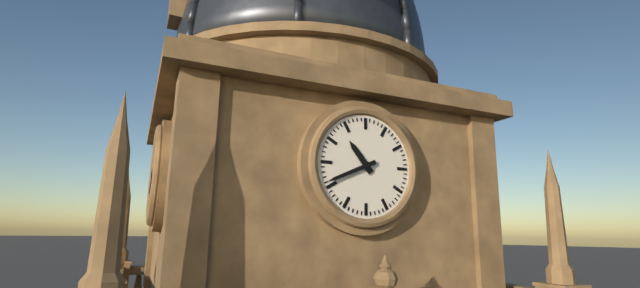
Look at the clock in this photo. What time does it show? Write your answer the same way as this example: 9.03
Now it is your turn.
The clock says 10.41
